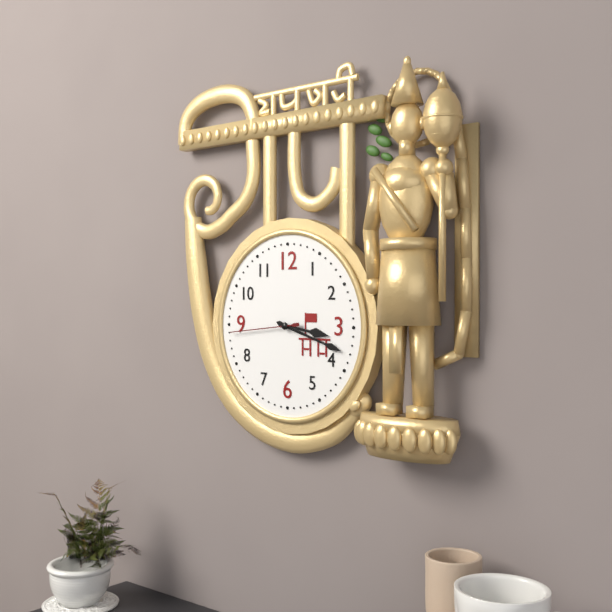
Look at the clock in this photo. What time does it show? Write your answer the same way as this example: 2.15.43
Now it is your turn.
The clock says 3.18.44
